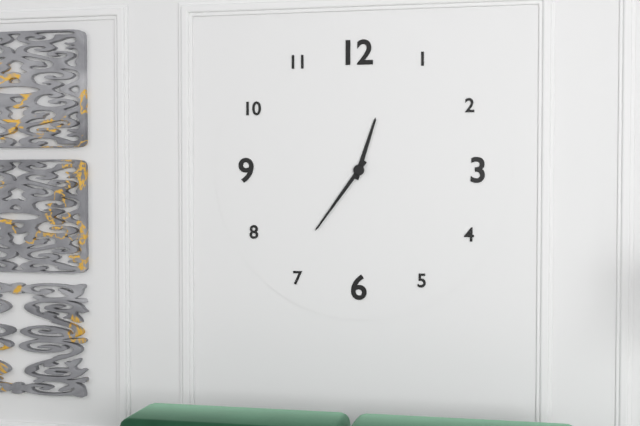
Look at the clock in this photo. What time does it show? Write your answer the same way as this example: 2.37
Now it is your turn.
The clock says 12.36
